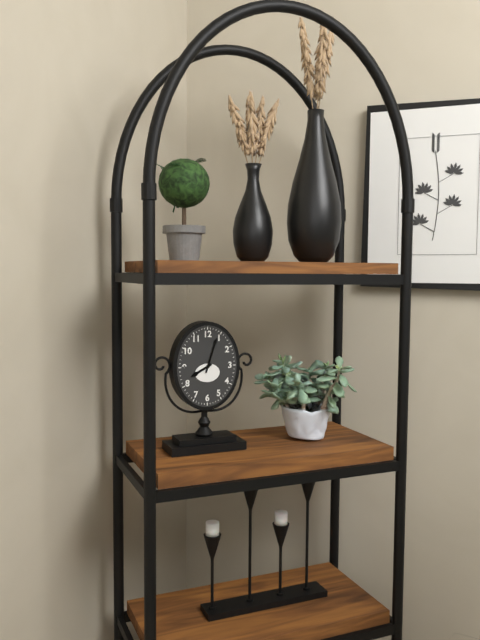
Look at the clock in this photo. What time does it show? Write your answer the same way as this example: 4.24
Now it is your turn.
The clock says 8.03
